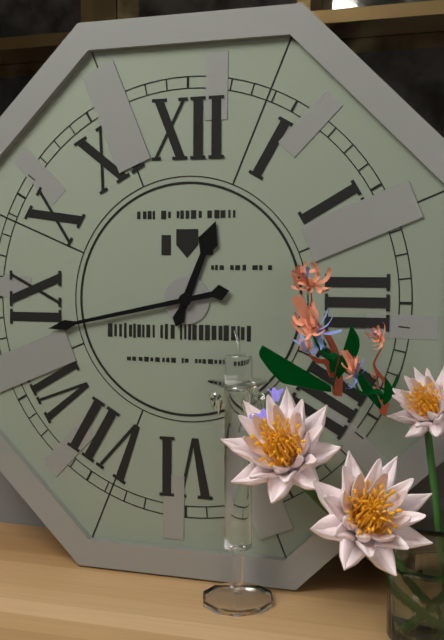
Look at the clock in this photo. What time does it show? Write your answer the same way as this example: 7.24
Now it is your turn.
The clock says 12.43
